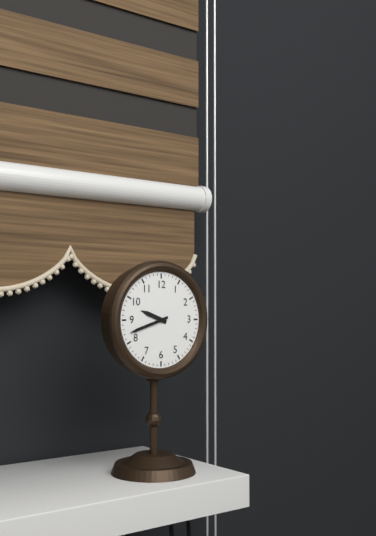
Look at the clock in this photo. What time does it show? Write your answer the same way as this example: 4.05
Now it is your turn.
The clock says 9.42
